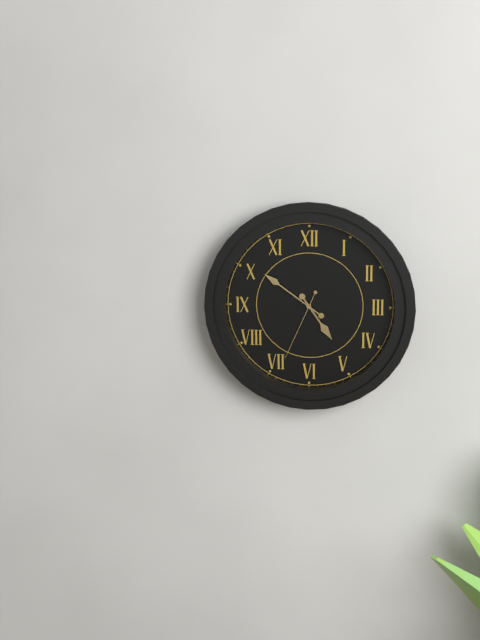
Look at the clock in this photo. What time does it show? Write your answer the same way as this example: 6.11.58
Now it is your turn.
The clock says 4.51.34
